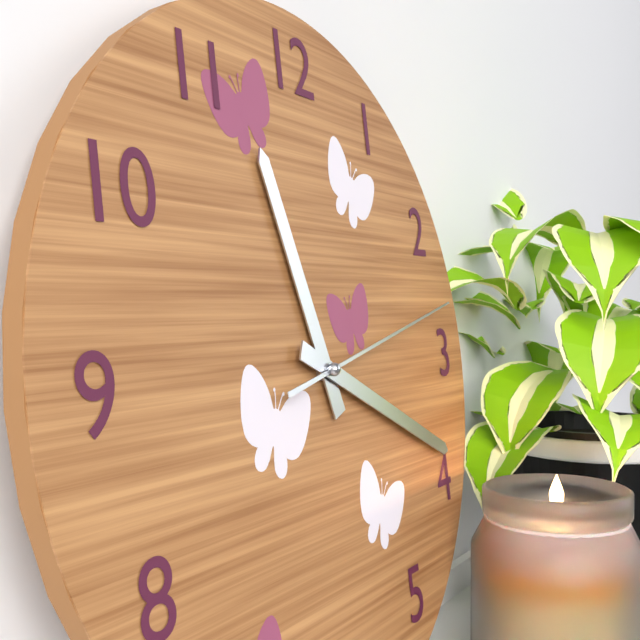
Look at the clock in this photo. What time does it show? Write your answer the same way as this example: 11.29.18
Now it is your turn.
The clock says 11.19.13
